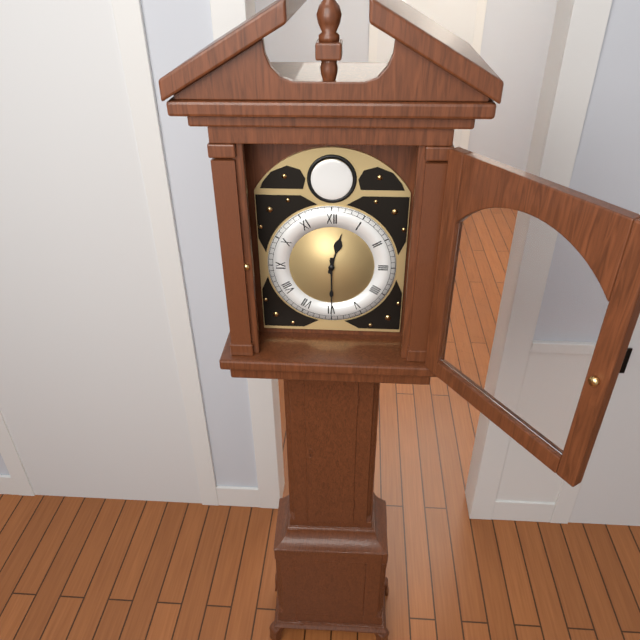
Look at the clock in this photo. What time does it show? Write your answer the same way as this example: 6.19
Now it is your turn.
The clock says 12.30
